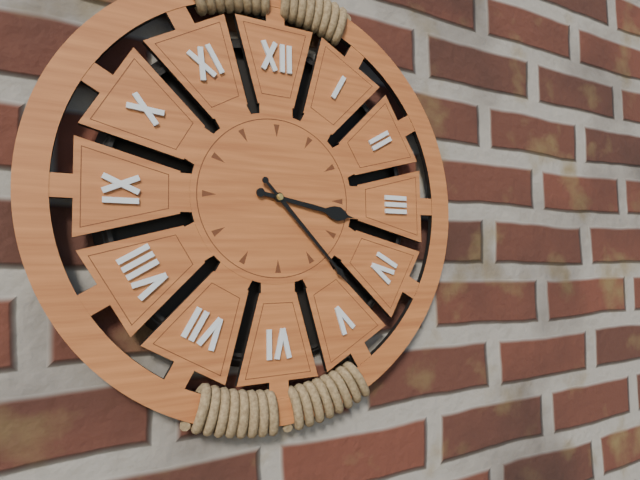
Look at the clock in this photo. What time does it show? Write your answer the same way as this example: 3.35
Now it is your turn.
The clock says 3.23
